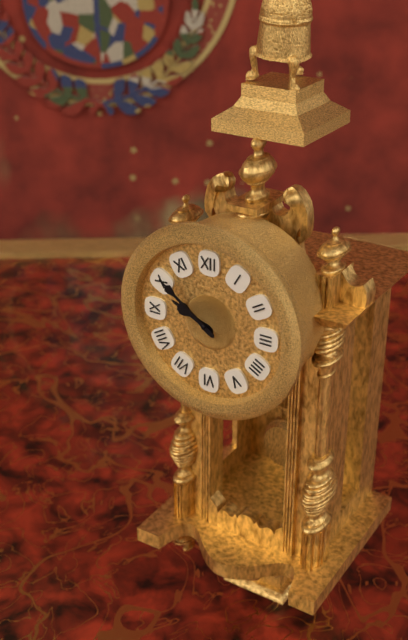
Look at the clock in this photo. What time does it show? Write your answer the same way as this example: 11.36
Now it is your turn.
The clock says 9.51
